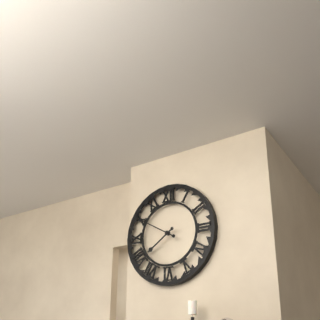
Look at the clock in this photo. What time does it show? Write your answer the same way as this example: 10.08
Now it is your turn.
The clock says 7.50
